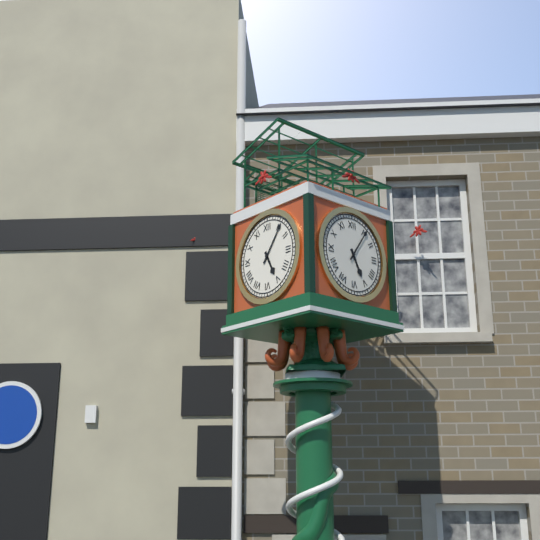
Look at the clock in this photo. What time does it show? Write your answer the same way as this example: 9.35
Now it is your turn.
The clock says 5.06
